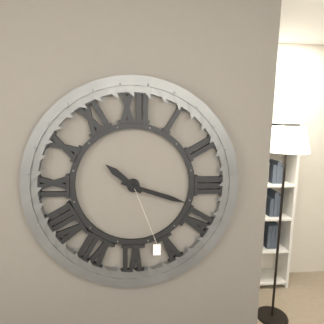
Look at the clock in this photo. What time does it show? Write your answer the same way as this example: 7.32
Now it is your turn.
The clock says 10.18
